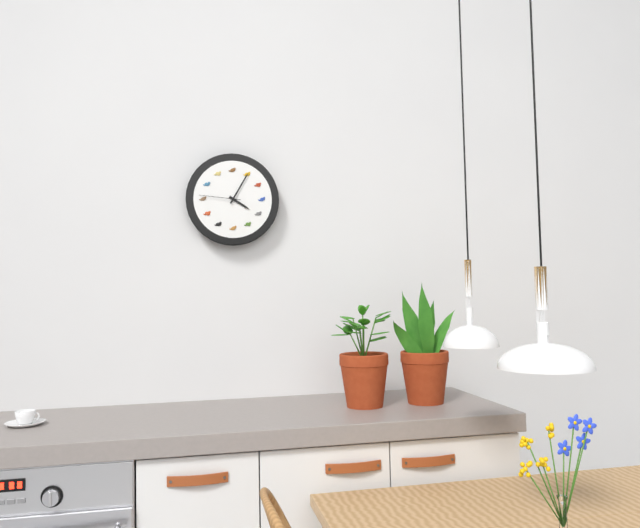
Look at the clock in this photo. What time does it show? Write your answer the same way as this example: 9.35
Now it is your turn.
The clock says 4.05
